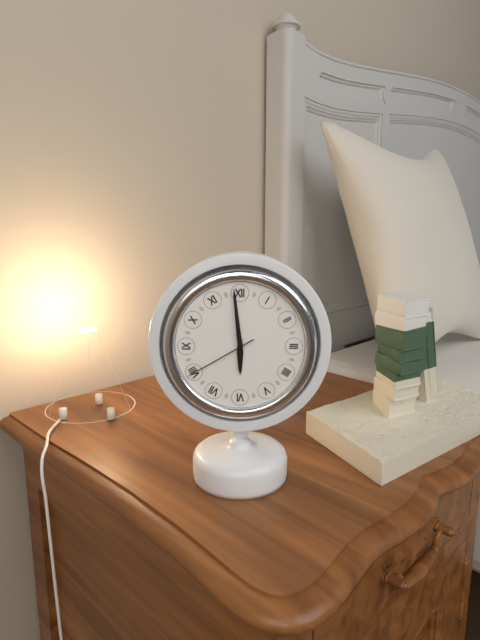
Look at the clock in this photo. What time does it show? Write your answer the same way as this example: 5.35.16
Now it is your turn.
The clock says 5.59.40
